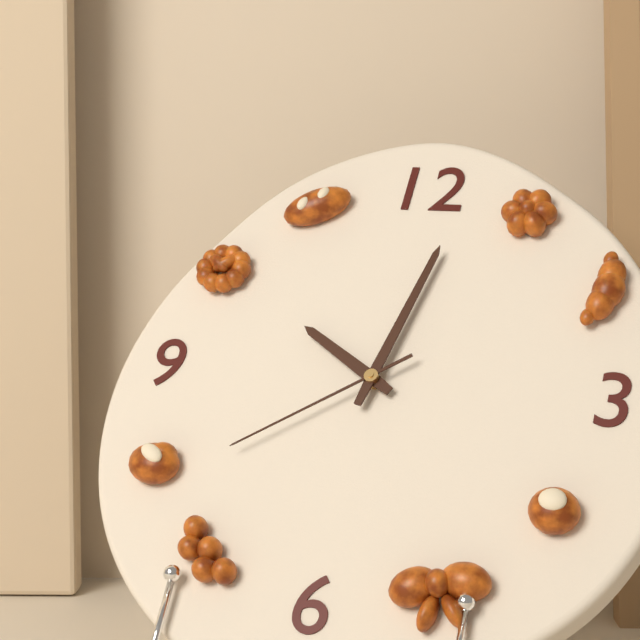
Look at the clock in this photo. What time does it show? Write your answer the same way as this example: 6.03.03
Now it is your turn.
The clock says 10.02.39
